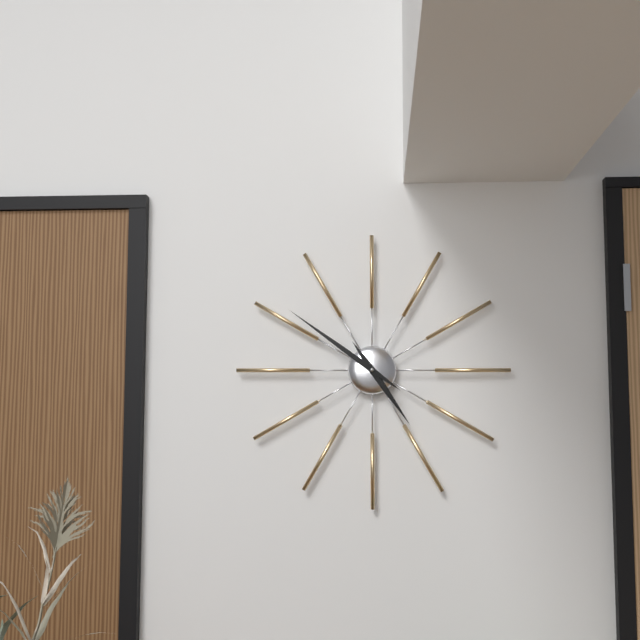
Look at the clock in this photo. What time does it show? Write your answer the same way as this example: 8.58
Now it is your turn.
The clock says 4.51
